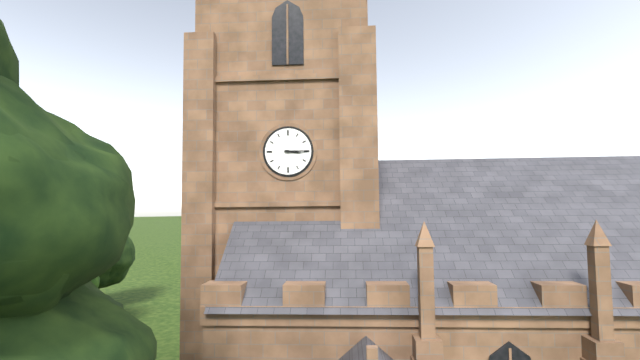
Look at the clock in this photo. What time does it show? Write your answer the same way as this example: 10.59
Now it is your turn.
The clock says 3.15
